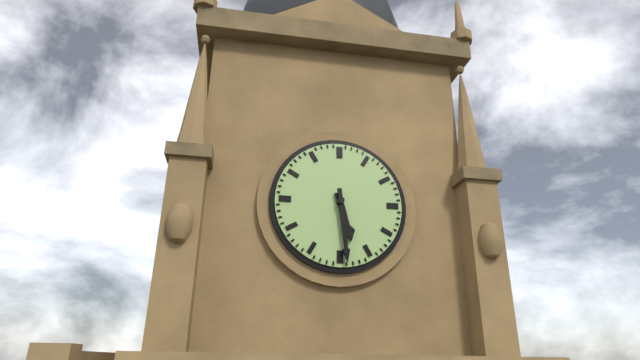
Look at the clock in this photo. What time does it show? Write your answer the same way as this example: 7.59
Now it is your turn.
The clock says 5.29
